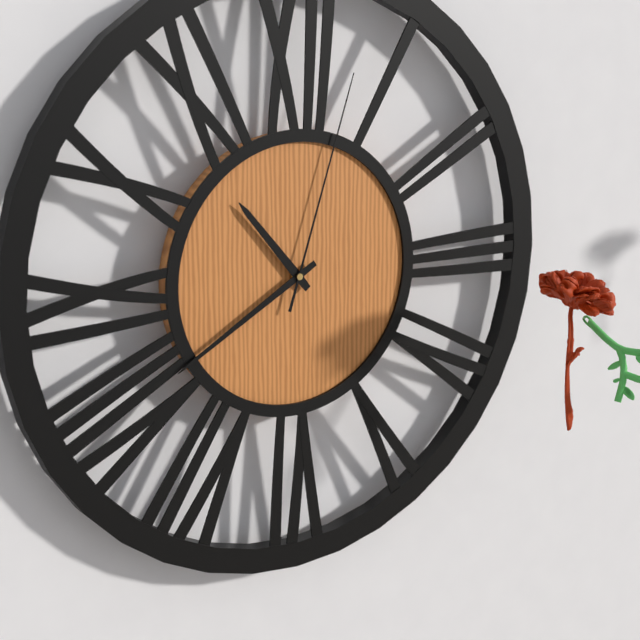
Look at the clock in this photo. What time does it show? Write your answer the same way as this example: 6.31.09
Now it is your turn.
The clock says 10.40.03
